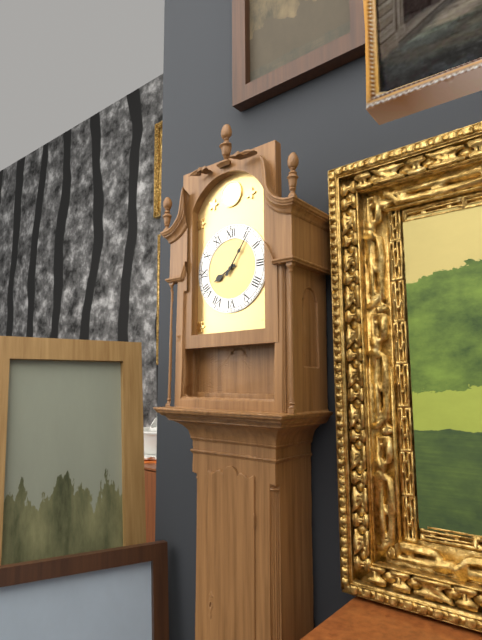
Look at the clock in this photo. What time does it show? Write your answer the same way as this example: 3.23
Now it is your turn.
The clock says 8.06
